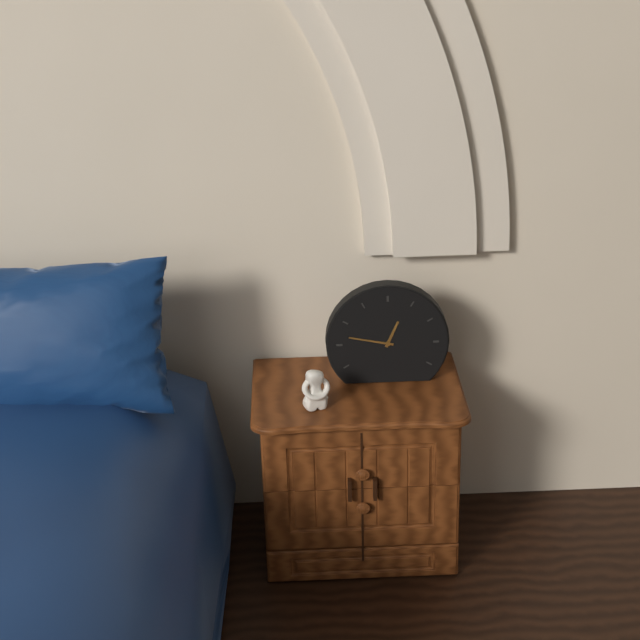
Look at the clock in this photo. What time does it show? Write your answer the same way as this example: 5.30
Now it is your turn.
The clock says 12.47
